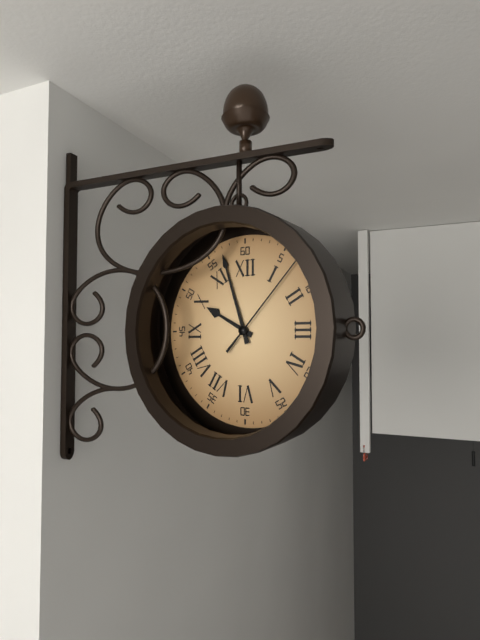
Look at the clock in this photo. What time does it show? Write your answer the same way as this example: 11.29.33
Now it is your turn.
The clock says 9.57.07
